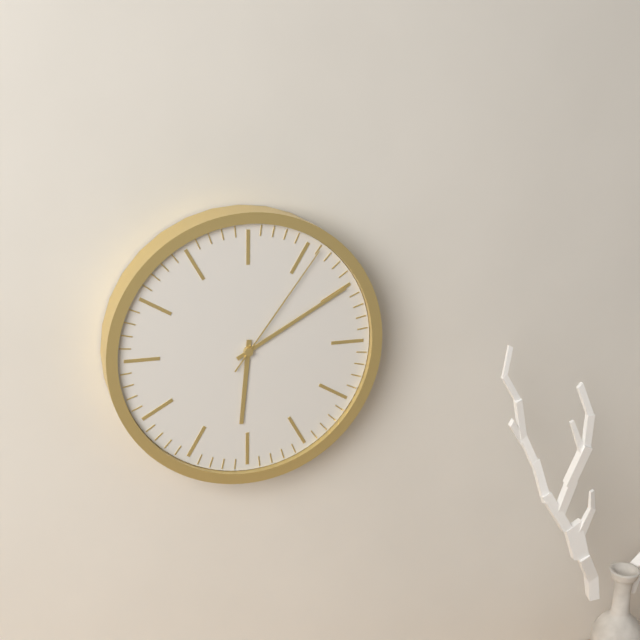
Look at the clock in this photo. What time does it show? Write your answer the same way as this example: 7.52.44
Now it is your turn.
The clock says 6.10.06
